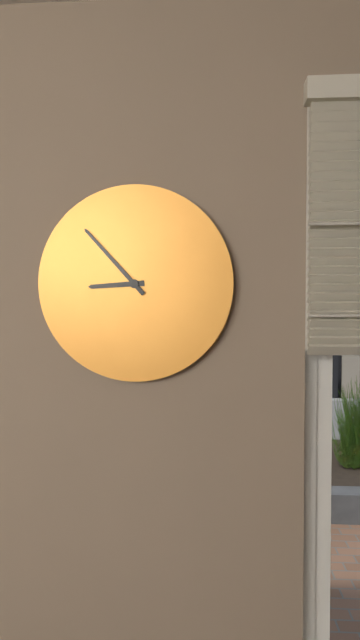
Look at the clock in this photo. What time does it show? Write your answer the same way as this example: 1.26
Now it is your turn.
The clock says 8.53
